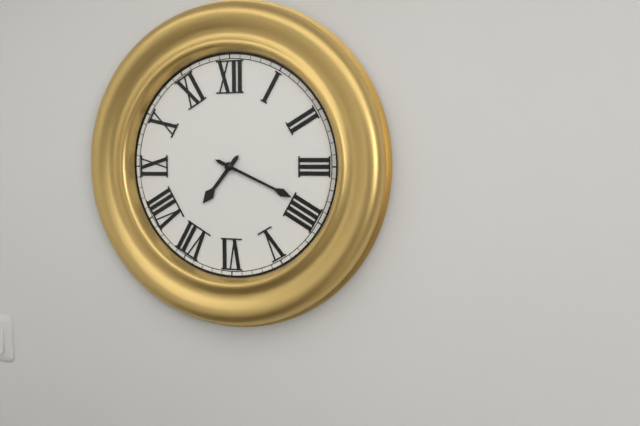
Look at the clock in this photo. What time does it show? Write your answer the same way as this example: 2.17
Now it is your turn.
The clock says 7.19
